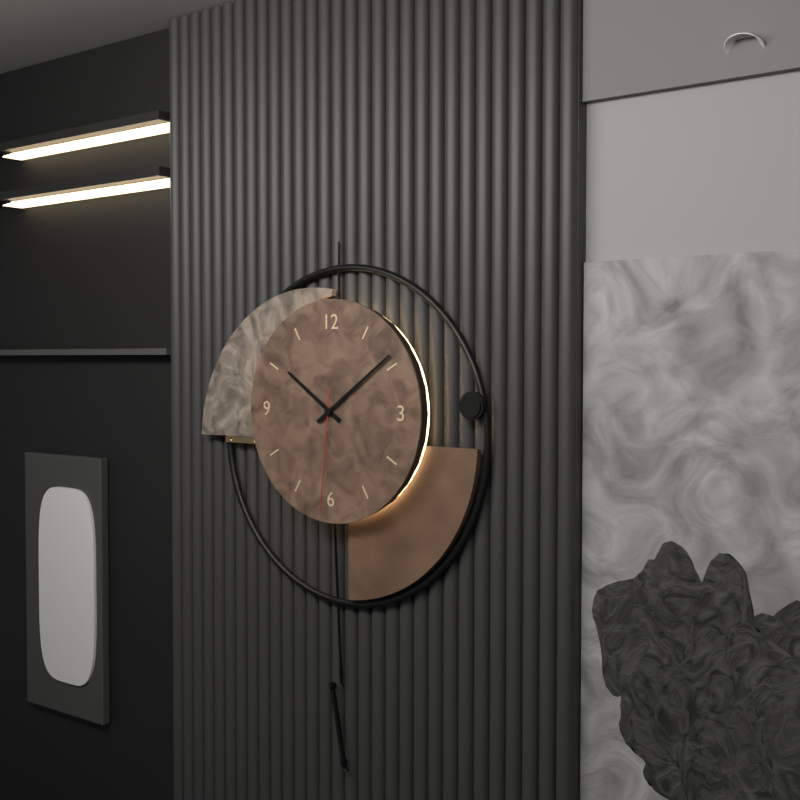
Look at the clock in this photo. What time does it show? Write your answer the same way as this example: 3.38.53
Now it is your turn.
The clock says 10.09.31
